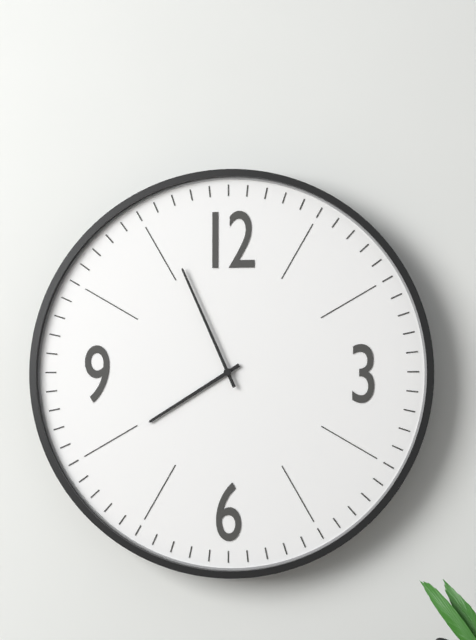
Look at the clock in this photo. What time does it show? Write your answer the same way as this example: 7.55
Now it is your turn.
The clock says 7.56
